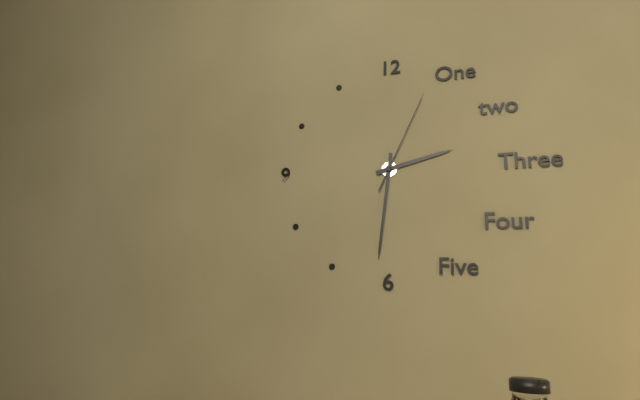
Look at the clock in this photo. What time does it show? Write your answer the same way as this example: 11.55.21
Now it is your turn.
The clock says 2.31.04
